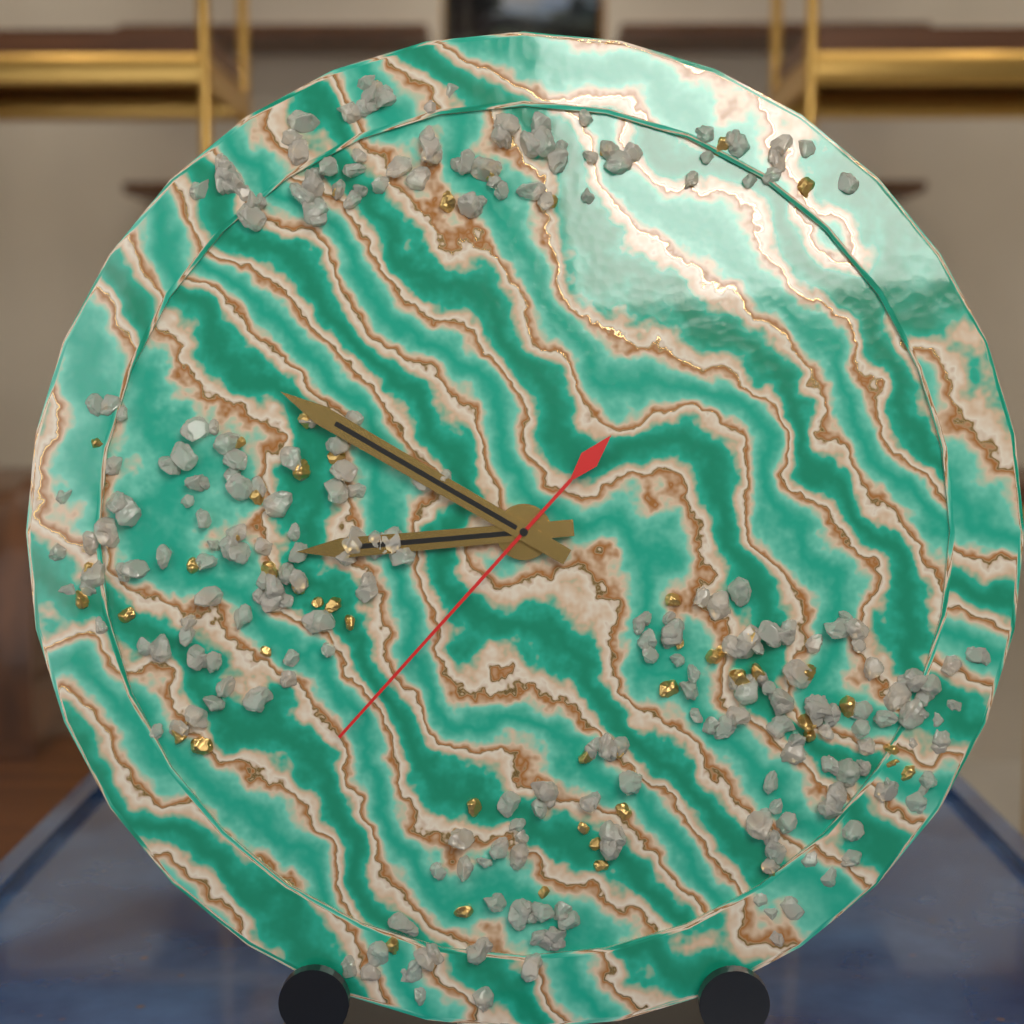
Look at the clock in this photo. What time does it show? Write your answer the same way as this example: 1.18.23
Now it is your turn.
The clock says 8.50.37
